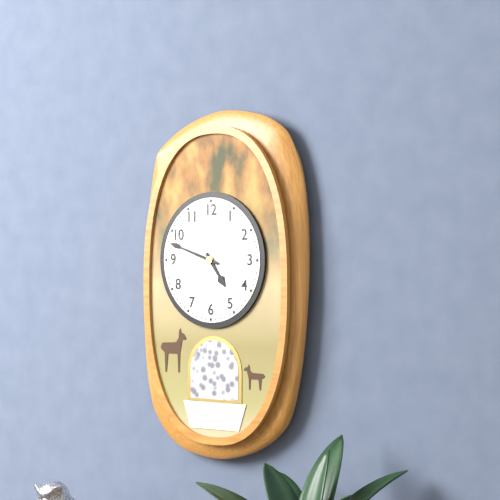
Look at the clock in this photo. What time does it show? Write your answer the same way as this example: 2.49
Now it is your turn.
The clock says 4.48
